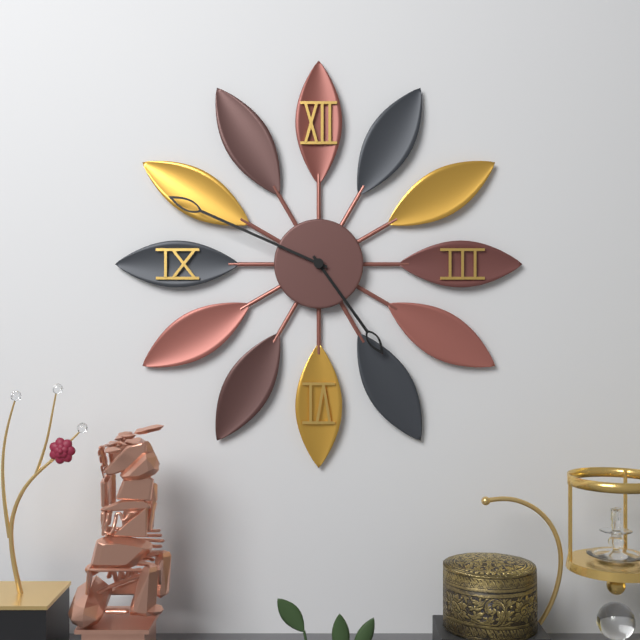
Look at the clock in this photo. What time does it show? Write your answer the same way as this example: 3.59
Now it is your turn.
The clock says 4.49
